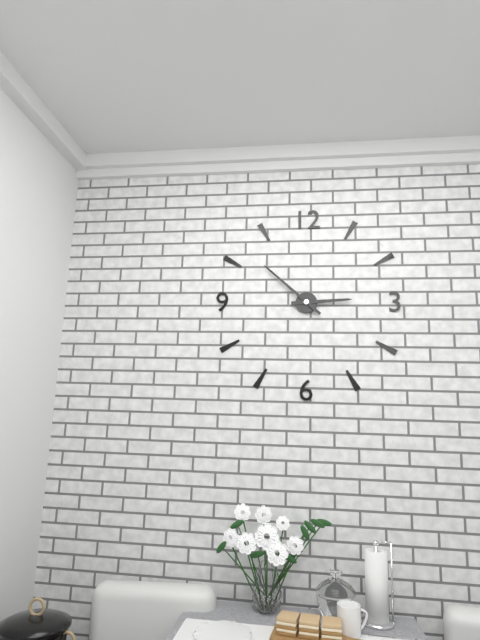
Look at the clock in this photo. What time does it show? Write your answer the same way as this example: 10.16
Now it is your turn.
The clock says 2.52
